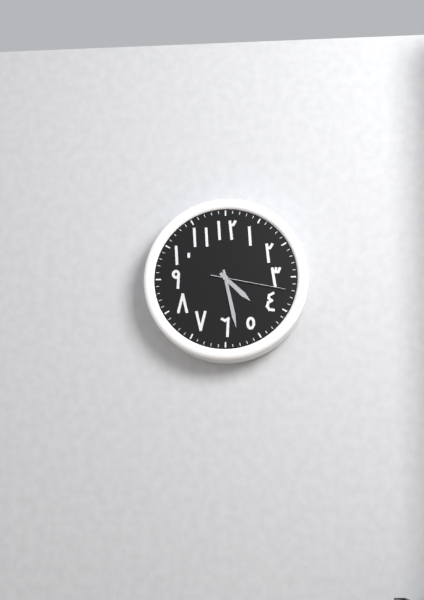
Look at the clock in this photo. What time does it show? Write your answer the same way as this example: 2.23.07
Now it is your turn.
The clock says 4.28.17
